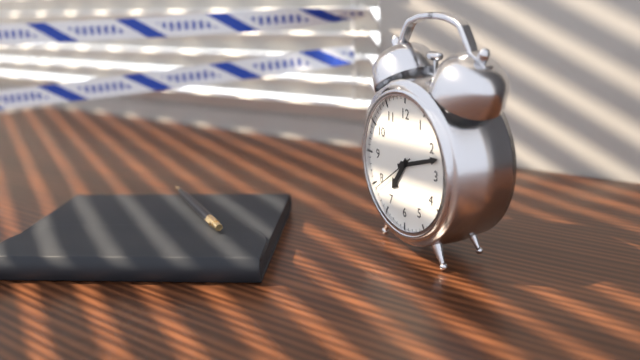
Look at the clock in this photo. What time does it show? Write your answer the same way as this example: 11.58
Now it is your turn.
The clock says 7.12
